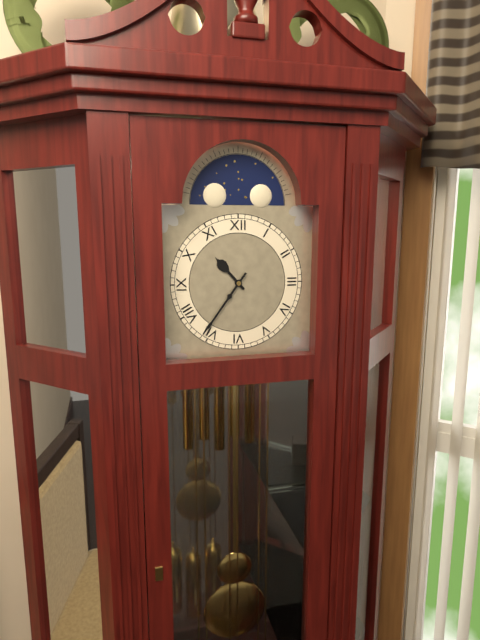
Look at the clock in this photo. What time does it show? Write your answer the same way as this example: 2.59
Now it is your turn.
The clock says 10.36
